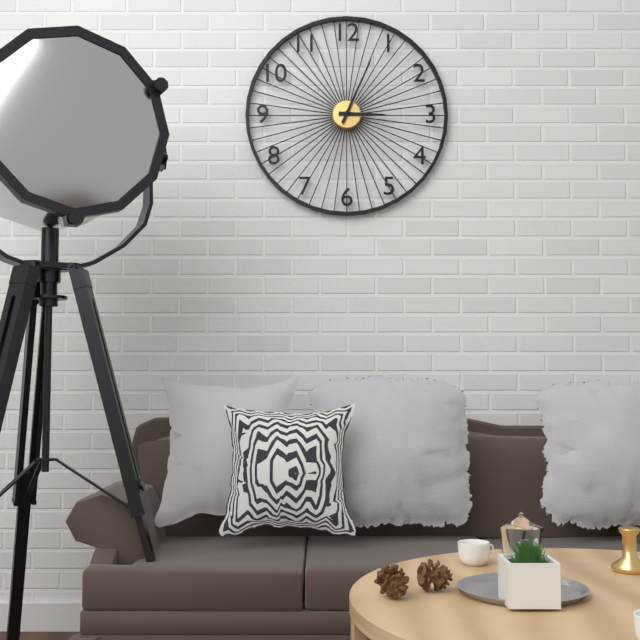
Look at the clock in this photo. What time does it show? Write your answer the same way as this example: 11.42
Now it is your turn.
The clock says 3.04
